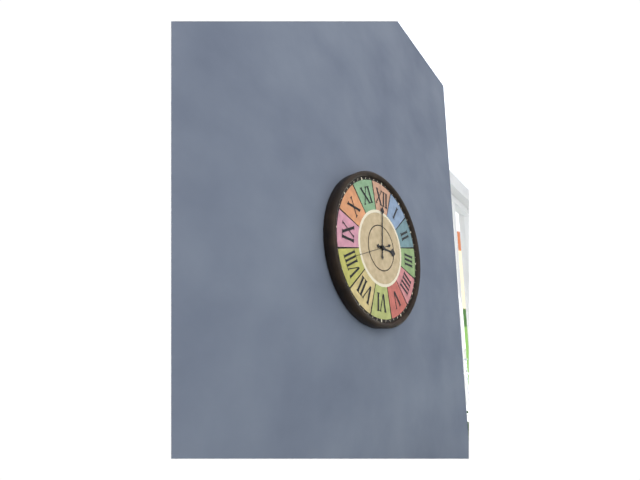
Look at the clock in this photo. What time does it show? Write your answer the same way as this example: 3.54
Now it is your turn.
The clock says 3.00
